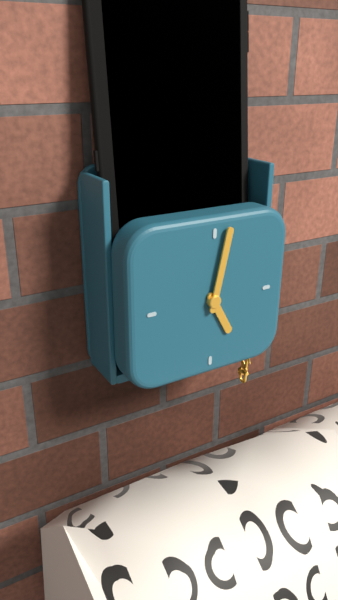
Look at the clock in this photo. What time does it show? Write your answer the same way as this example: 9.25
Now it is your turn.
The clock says 5.02
